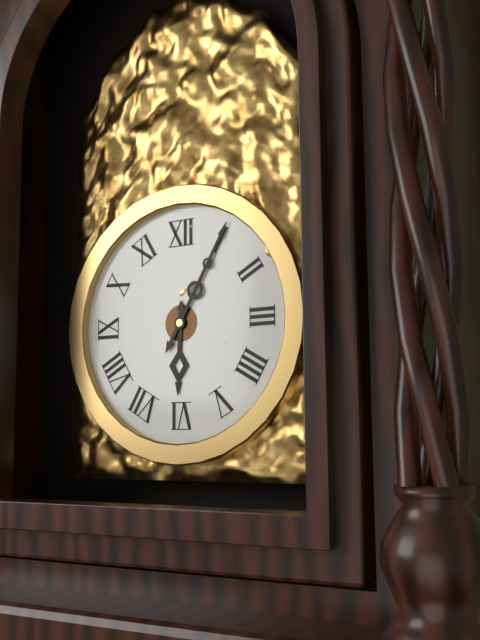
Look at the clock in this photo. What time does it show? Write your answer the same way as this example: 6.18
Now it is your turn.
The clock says 6.05
